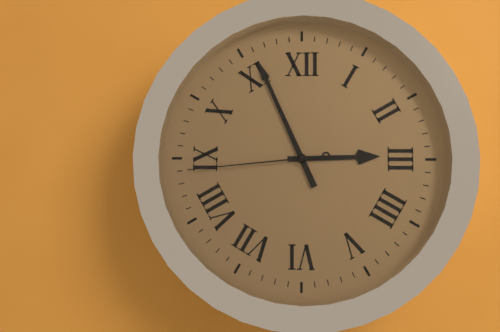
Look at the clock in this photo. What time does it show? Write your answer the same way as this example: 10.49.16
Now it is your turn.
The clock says 2.56.44
